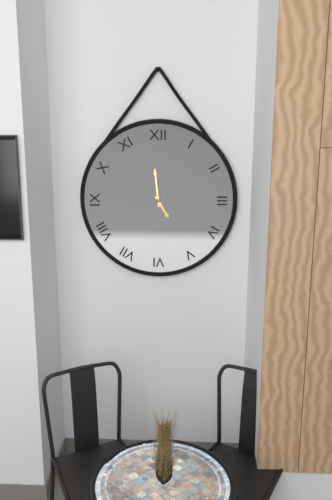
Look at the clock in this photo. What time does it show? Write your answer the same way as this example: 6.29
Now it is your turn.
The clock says 4.59
